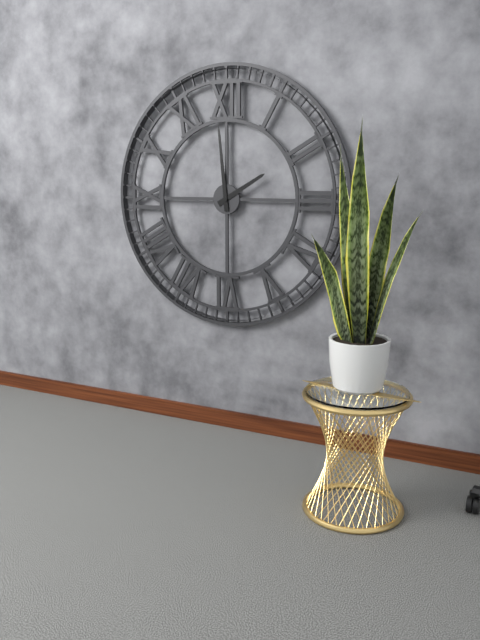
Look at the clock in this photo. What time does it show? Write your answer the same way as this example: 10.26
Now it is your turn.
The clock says 1.59
